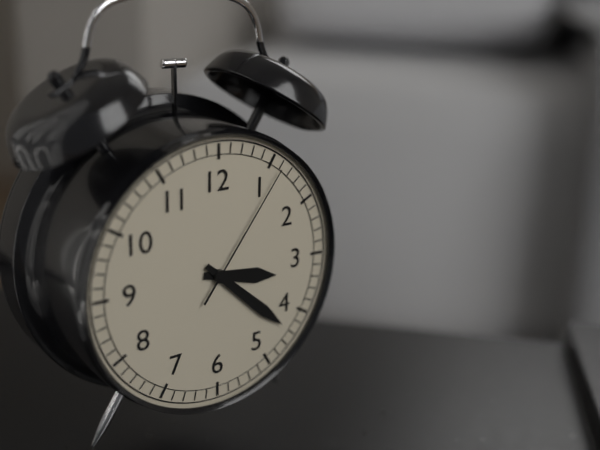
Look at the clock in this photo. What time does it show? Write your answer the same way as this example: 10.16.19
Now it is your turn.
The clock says 3.22.06
